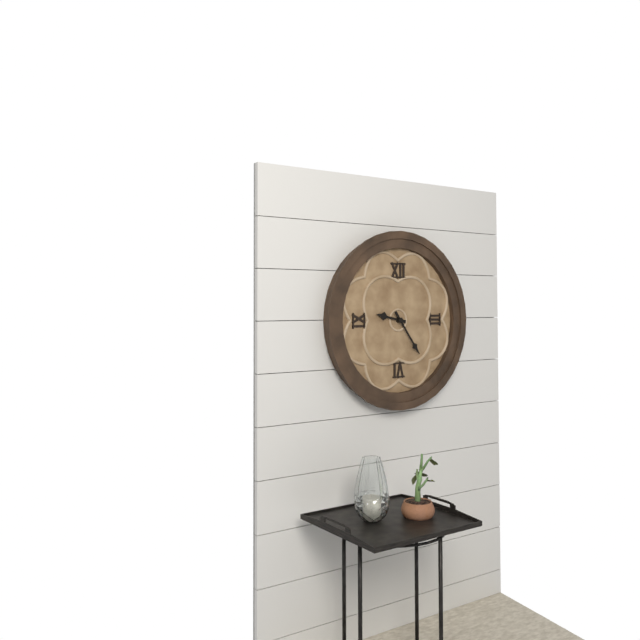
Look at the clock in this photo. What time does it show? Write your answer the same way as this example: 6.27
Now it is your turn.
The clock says 9.24
